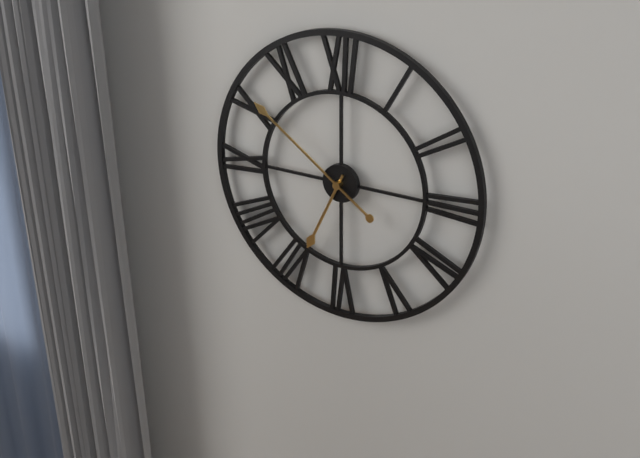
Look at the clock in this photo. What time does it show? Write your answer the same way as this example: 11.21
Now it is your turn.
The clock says 6.51
